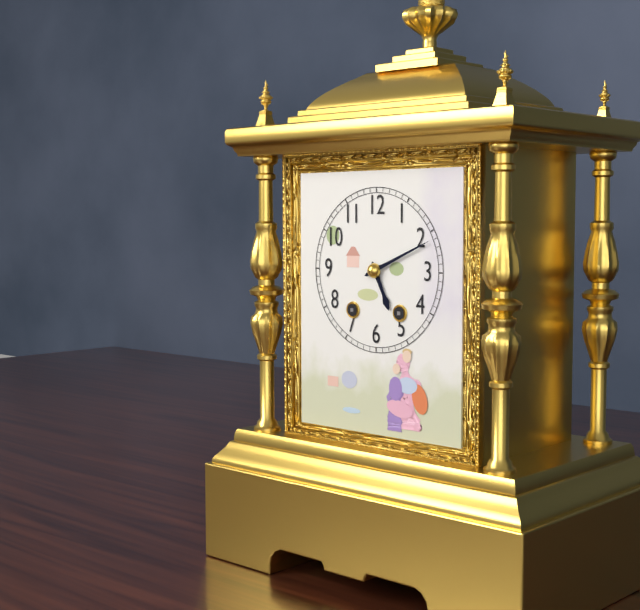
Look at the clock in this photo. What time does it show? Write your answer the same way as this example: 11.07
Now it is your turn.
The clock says 5.11
